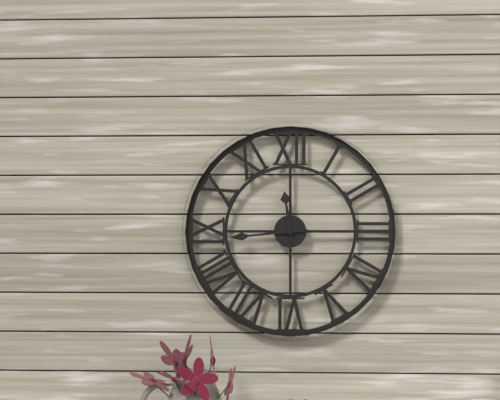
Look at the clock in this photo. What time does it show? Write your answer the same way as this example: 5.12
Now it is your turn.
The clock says 11.44
